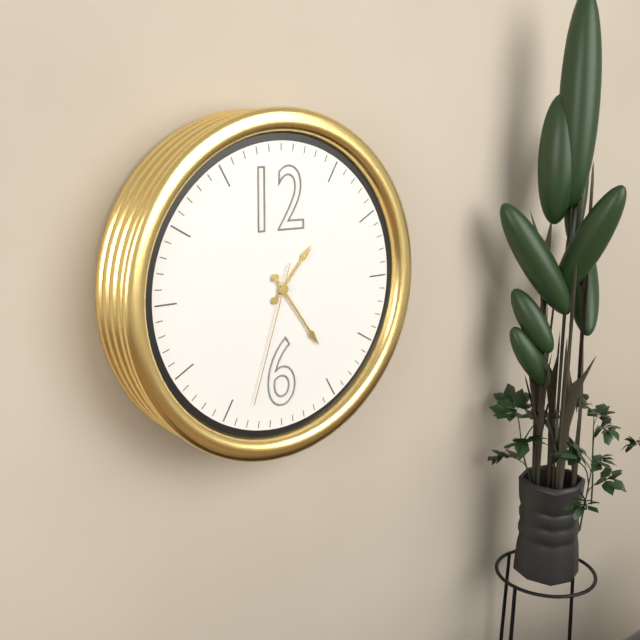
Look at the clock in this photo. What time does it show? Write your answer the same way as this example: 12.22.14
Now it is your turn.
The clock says 1.24.33
